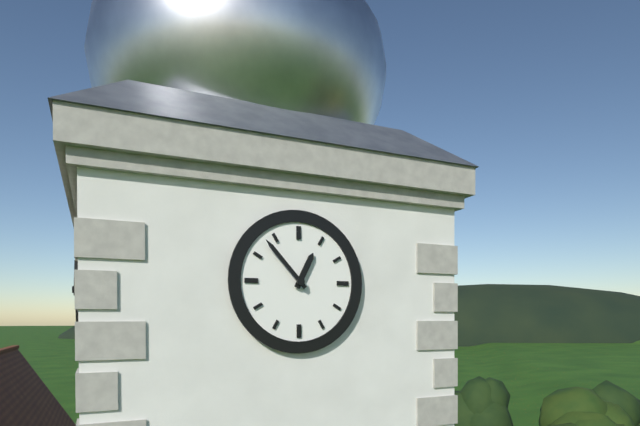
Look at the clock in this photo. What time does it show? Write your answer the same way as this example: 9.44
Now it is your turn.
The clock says 12.53
